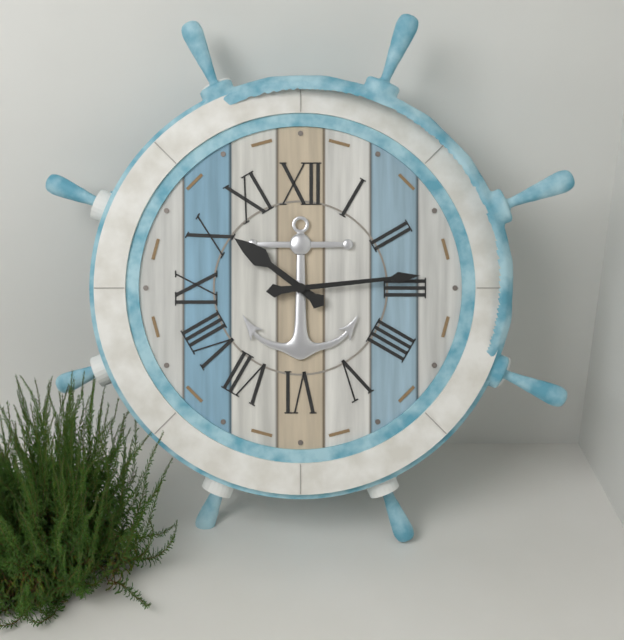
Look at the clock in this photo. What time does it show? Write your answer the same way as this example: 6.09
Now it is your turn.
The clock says 10.14
